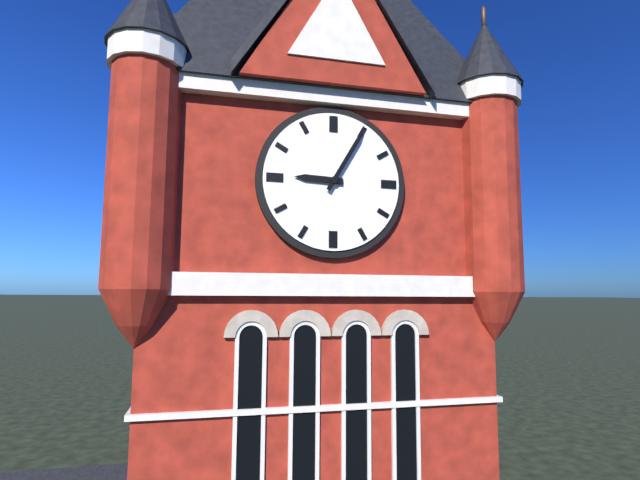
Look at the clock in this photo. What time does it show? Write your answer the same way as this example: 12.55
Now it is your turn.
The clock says 9.05
